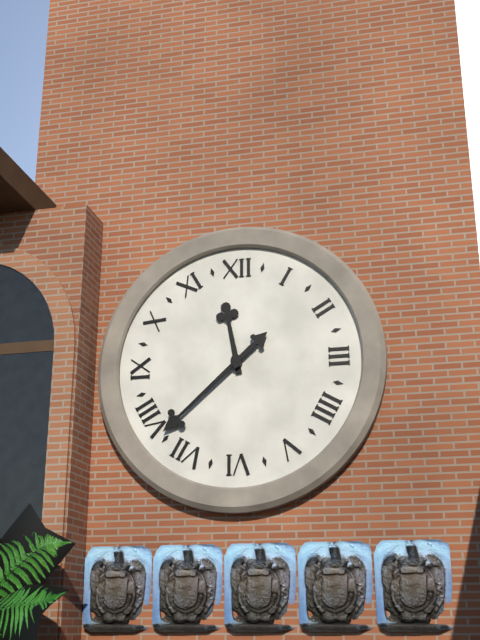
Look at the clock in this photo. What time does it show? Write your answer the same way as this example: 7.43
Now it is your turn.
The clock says 11.38
